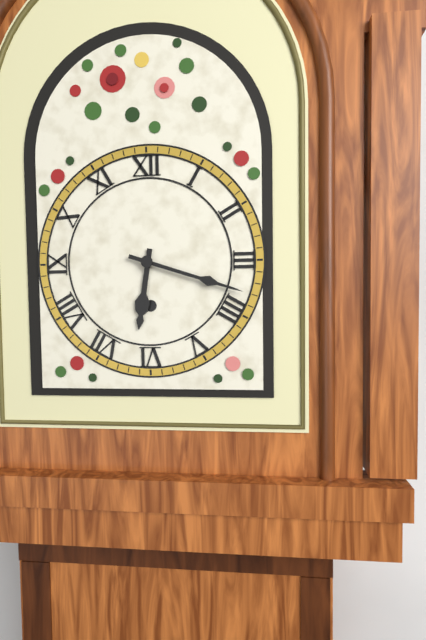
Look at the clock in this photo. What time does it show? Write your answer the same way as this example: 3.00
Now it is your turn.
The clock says 6.18
